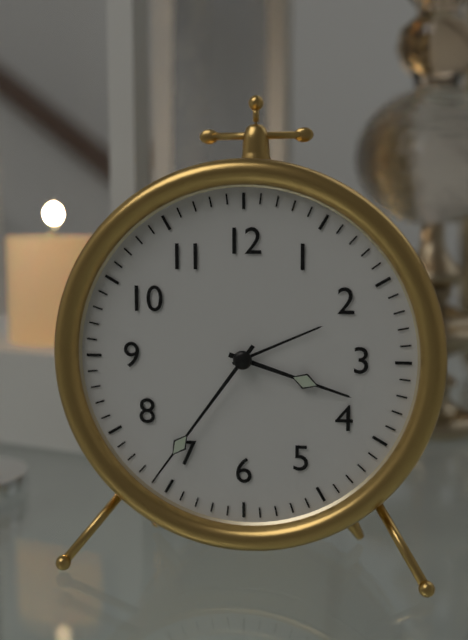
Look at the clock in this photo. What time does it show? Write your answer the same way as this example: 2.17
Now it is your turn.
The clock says 3.36
